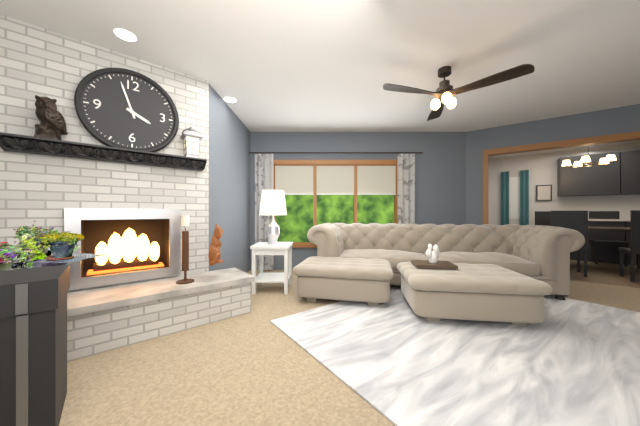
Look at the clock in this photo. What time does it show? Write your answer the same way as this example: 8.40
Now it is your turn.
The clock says 3.57
